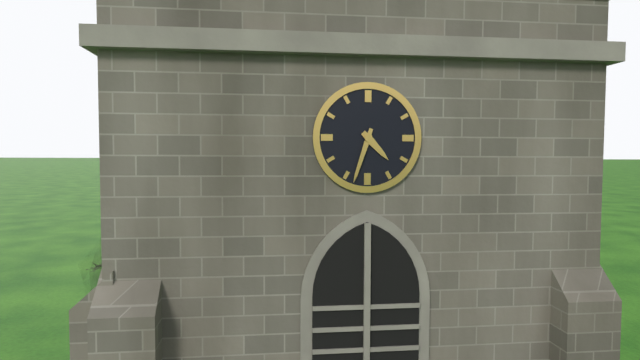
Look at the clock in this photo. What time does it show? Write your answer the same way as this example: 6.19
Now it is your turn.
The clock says 4.33
